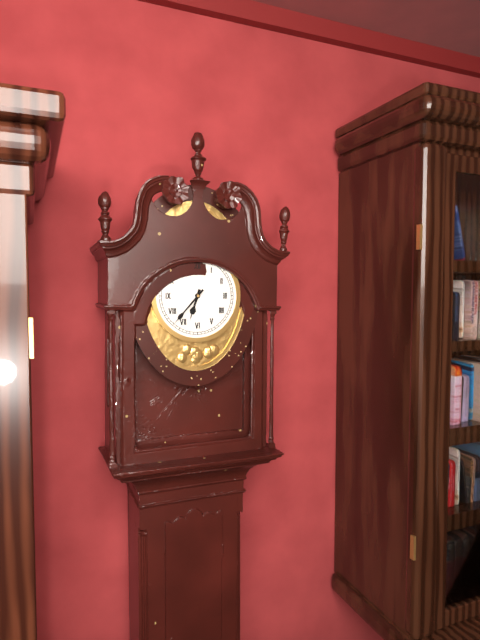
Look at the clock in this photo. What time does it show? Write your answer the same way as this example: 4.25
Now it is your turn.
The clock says 6.37
